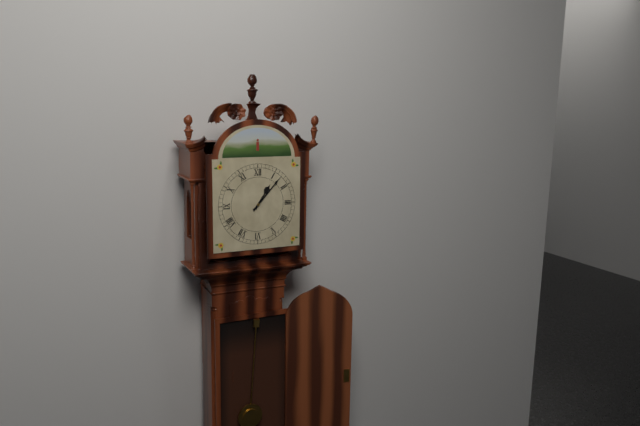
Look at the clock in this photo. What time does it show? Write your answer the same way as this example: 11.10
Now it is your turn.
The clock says 1.07
